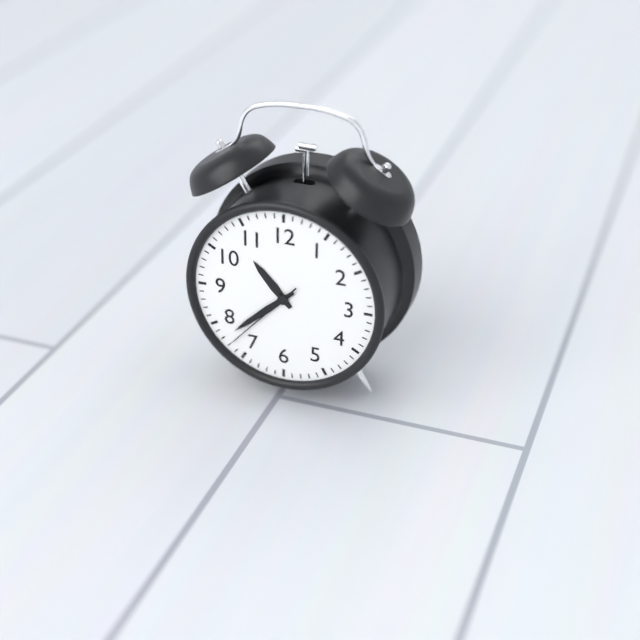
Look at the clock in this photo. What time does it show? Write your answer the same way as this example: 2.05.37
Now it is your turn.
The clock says 10.38.37
